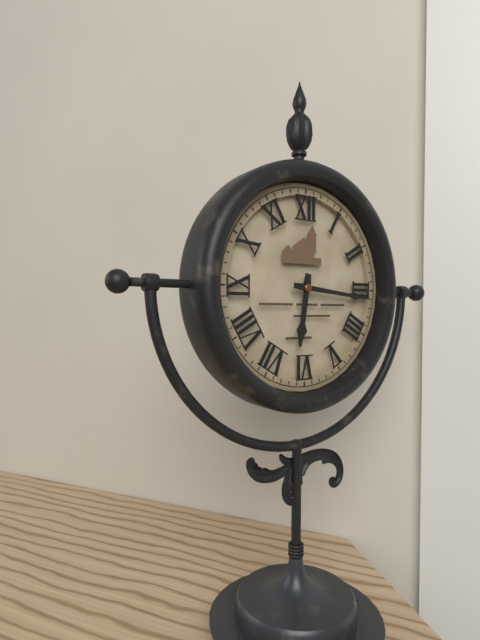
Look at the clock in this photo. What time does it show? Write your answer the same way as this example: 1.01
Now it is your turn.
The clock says 6.16
